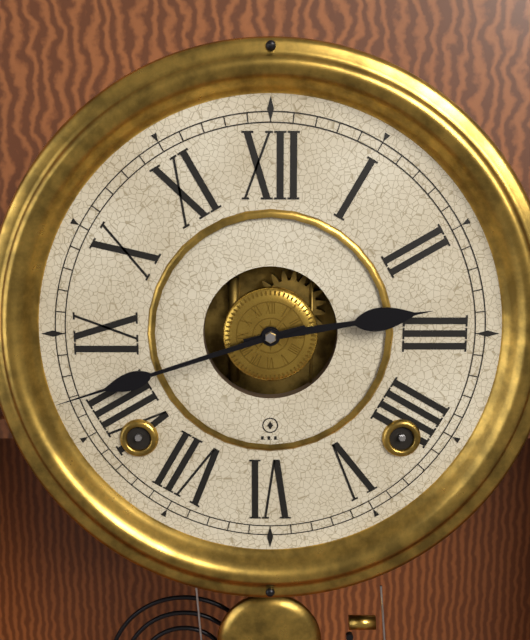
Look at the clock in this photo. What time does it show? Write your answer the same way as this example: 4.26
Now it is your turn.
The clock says 2.42
